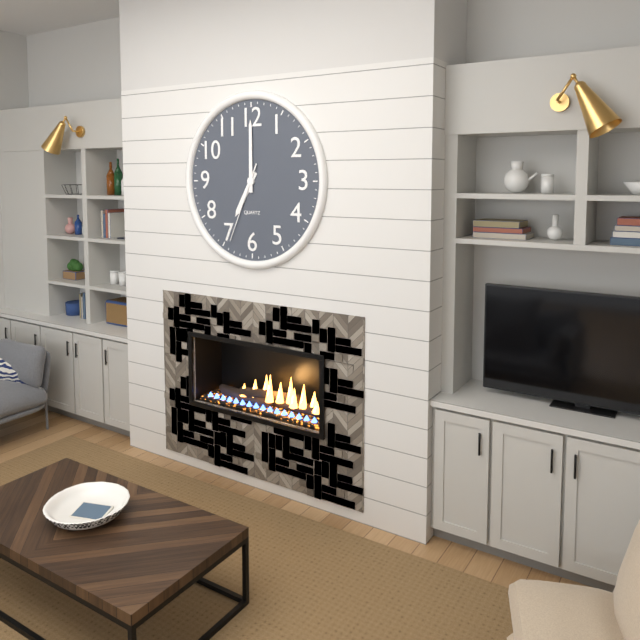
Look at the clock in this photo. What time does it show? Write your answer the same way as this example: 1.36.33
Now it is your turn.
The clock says 7.00.34
